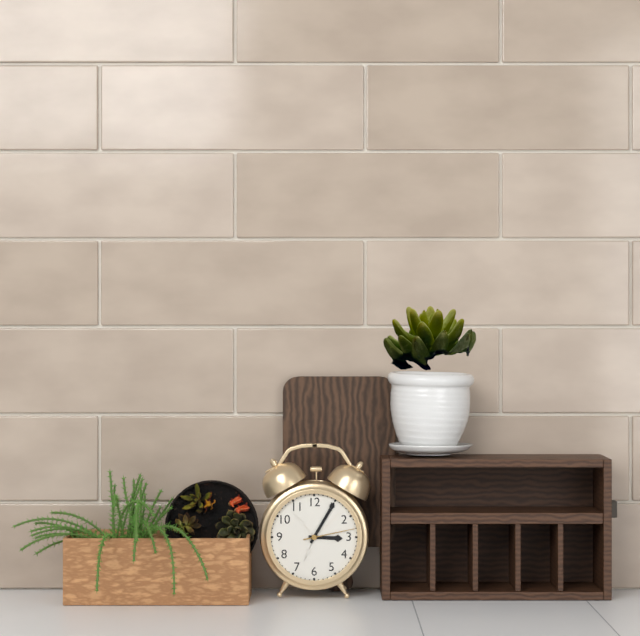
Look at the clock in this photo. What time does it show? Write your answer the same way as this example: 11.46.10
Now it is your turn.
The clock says 3.05.13
